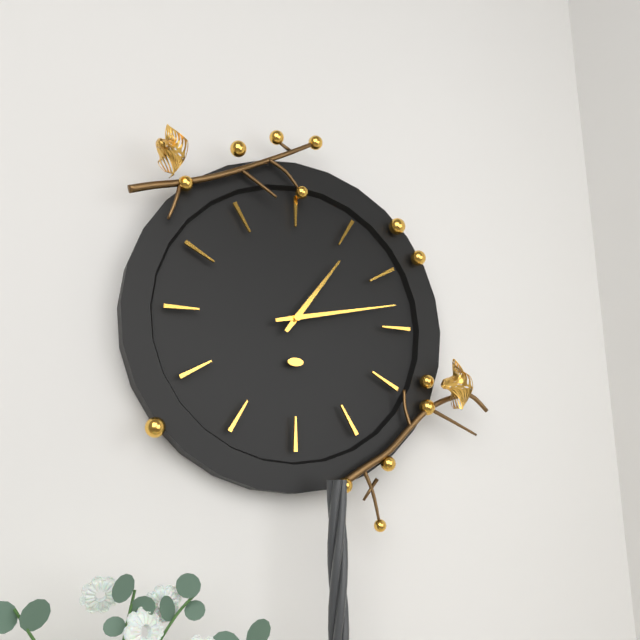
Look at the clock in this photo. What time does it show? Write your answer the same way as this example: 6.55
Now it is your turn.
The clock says 1.13
